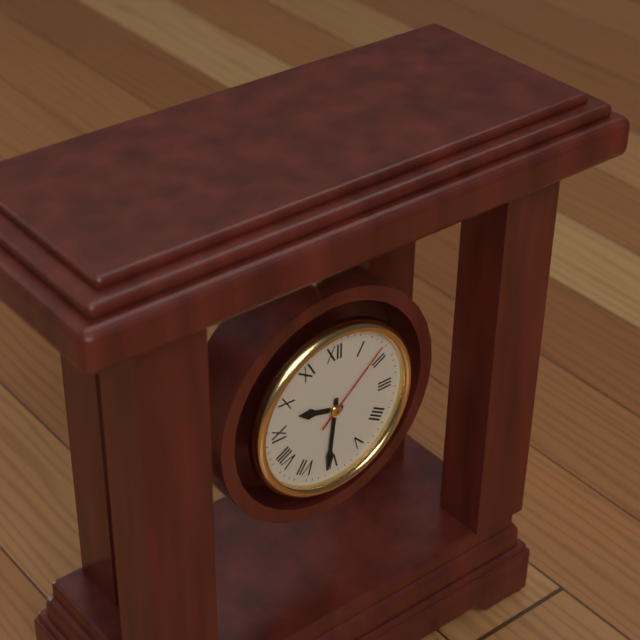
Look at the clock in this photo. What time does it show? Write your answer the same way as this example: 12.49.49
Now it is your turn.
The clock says 9.31.08
